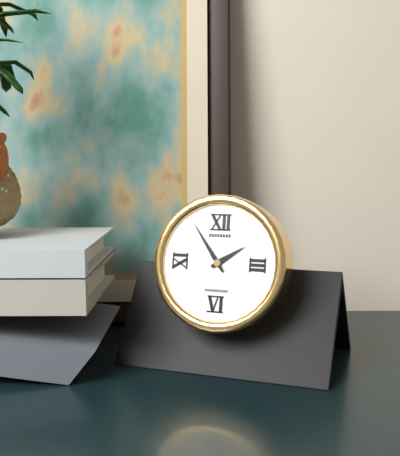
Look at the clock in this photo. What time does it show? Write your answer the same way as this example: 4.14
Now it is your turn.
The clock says 1.54
